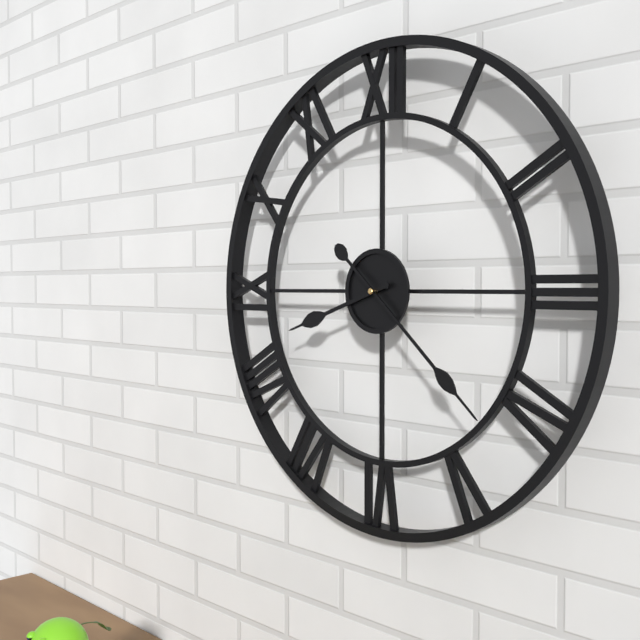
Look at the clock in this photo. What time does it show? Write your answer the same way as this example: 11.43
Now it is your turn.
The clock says 8.22
